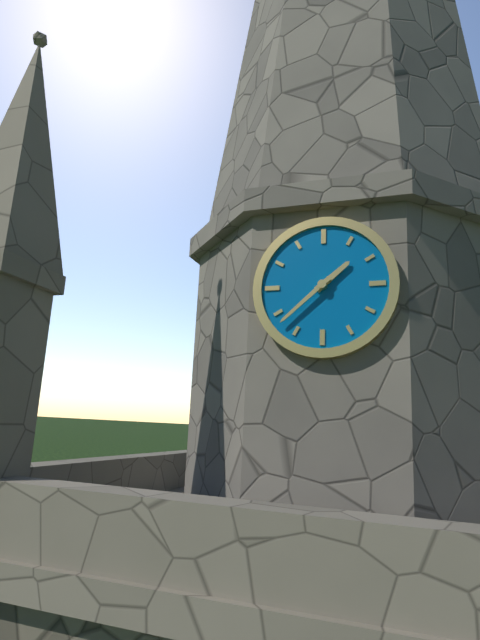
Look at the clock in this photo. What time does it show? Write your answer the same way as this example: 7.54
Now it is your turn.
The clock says 1.38
